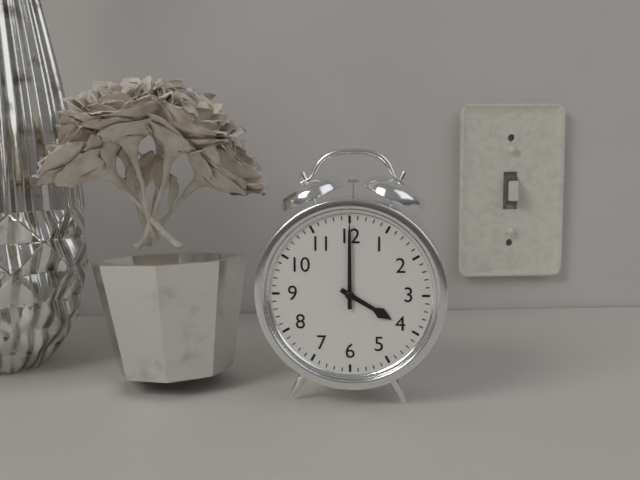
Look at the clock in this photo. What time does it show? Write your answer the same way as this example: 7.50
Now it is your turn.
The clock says 4.00
